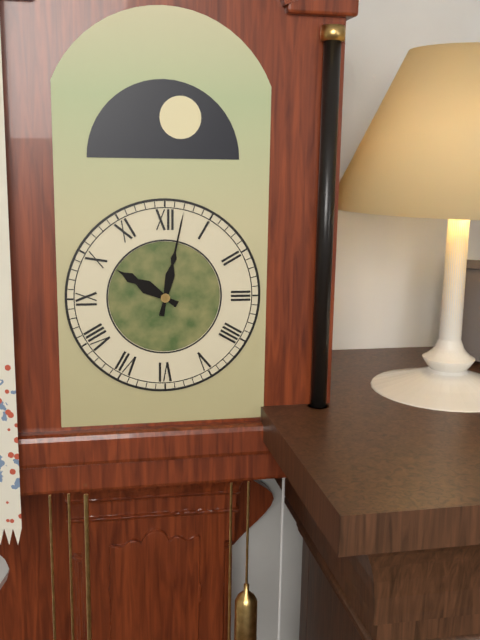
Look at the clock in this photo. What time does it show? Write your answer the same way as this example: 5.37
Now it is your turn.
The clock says 10.02
